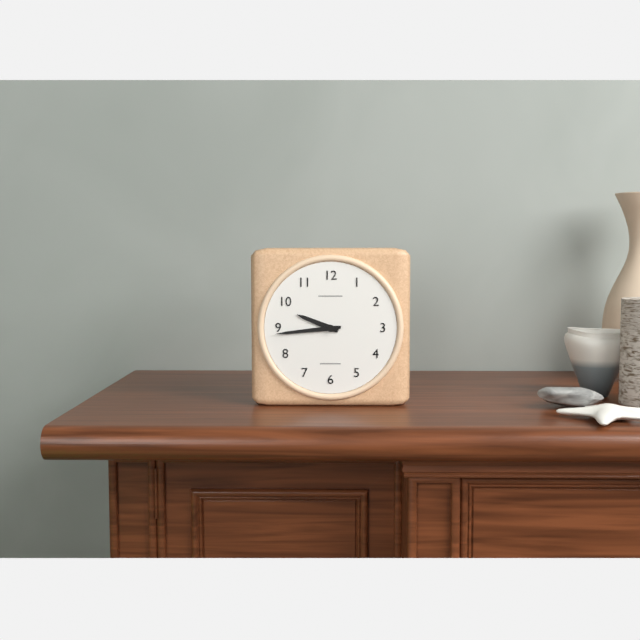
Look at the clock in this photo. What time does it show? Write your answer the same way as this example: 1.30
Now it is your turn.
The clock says 9.44
